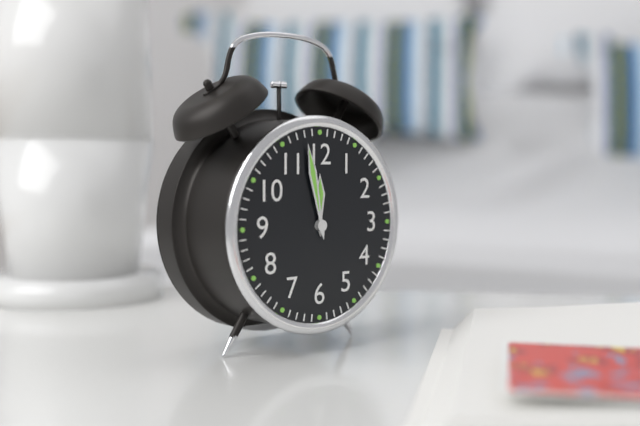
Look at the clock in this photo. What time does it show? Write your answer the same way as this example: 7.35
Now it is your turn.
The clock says 11.58
